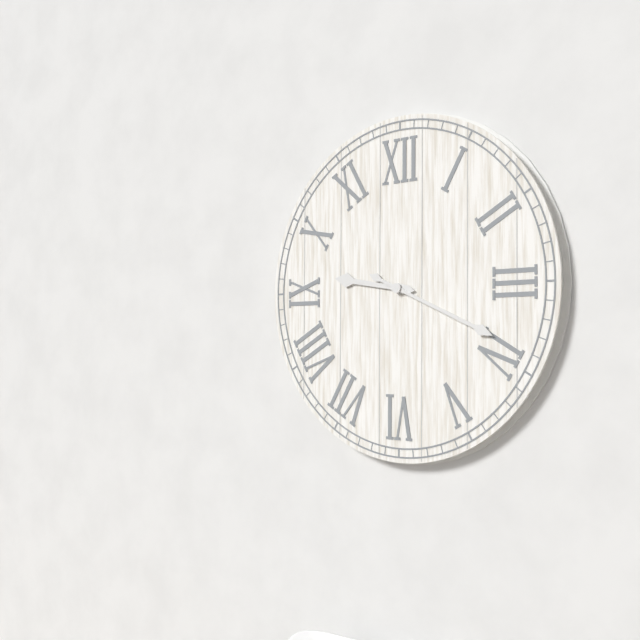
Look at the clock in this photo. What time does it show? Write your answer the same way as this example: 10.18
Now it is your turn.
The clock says 9.19
